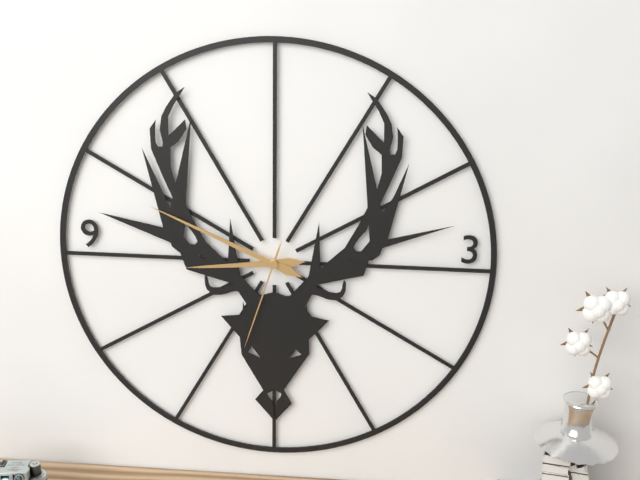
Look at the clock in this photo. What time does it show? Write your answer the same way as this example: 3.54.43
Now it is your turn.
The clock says 8.49.33
